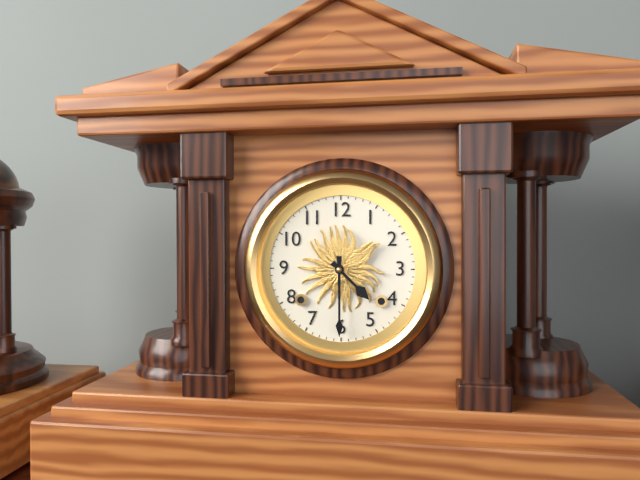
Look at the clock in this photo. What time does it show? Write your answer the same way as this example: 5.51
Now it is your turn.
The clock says 4.30
